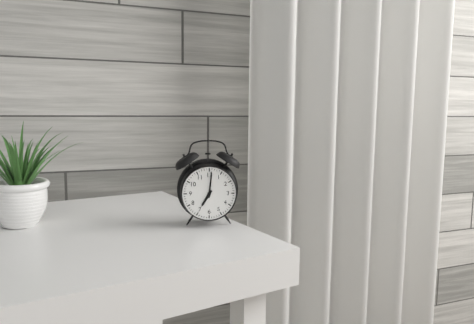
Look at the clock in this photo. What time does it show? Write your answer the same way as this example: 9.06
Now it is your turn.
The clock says 7.01
